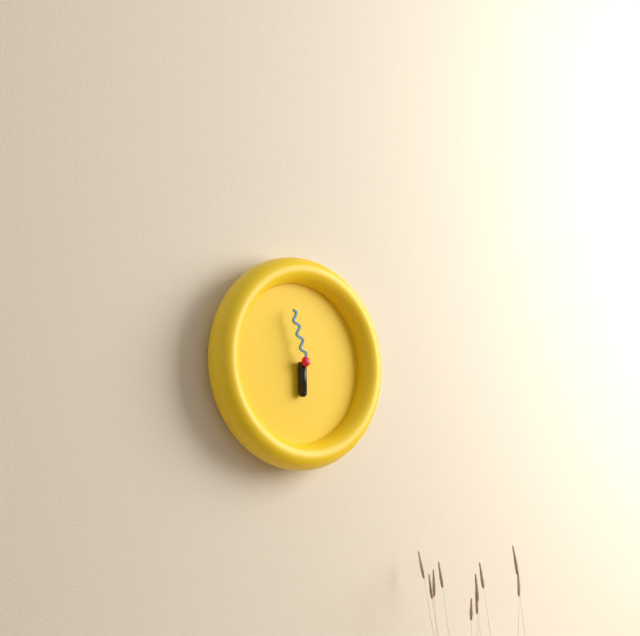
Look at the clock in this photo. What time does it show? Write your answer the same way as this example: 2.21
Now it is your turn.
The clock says 5.57
